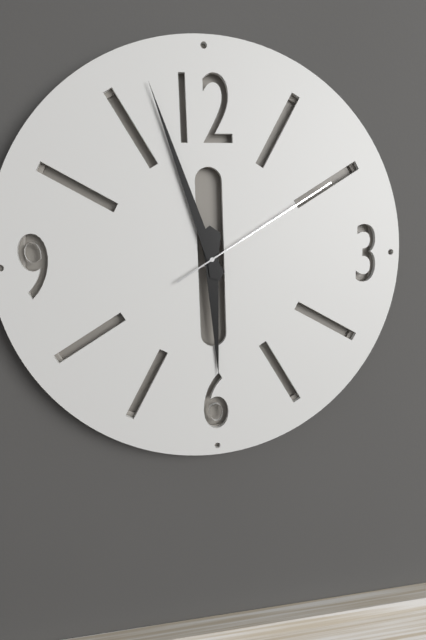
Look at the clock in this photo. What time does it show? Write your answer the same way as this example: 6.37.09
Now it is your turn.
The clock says 5.57.10
